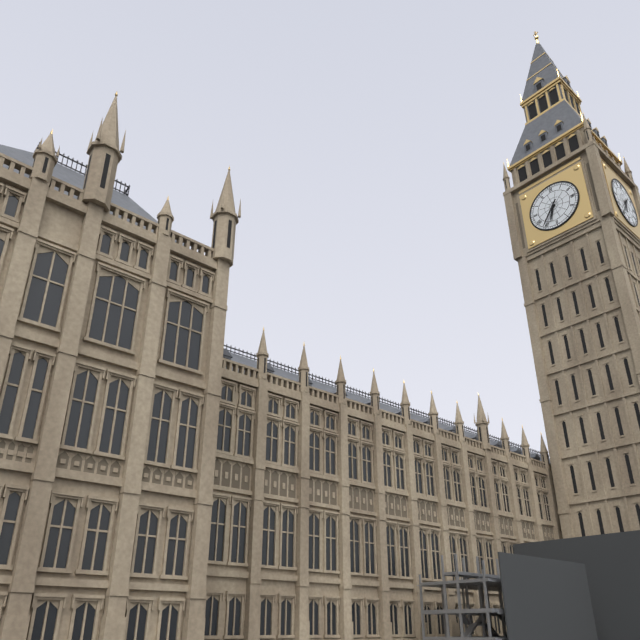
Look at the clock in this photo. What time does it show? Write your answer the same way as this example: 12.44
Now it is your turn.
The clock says 6.36
